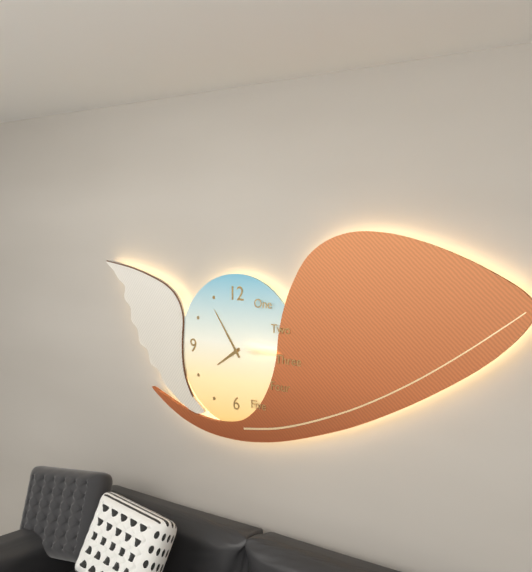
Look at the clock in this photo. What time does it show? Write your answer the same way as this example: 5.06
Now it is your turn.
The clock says 7.54
